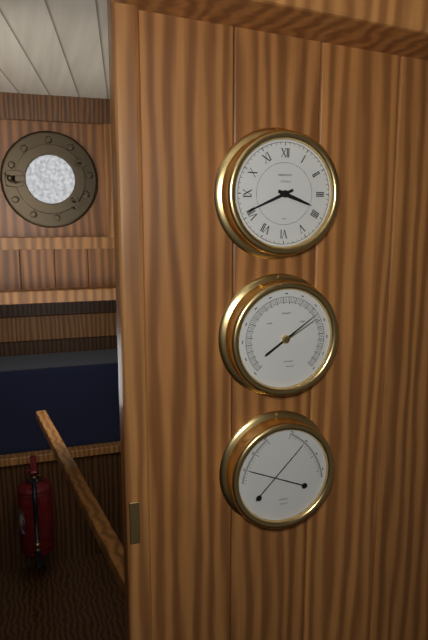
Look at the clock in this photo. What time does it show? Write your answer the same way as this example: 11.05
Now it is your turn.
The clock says 3.41
